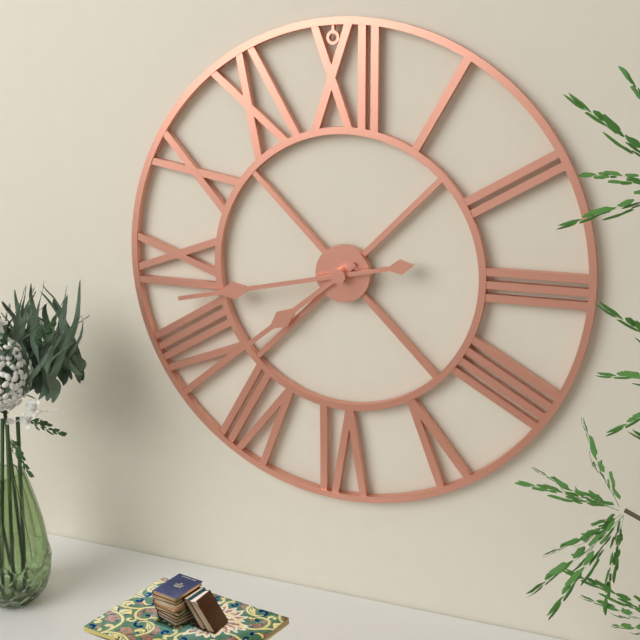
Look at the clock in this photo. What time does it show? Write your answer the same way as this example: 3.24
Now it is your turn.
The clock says 7.43
